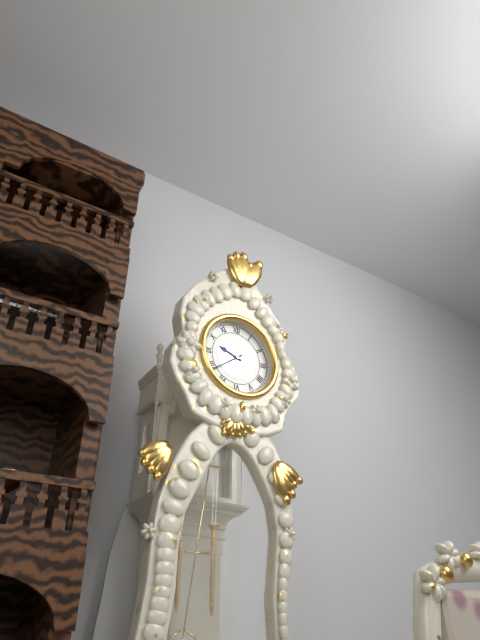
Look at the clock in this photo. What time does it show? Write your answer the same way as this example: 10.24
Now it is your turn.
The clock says 9.39
